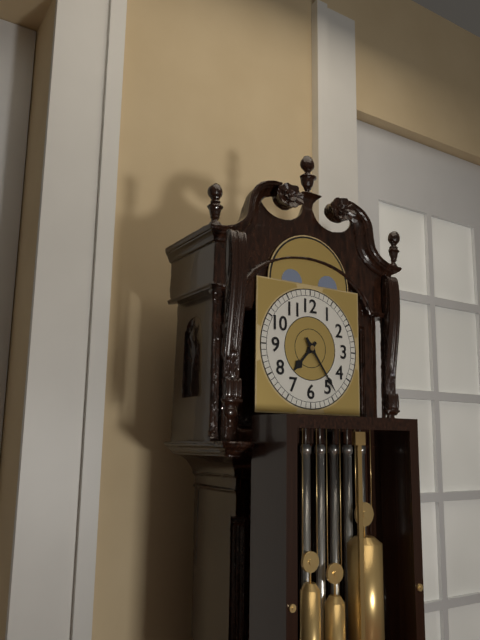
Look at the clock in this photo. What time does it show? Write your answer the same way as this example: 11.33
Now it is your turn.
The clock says 7.24
